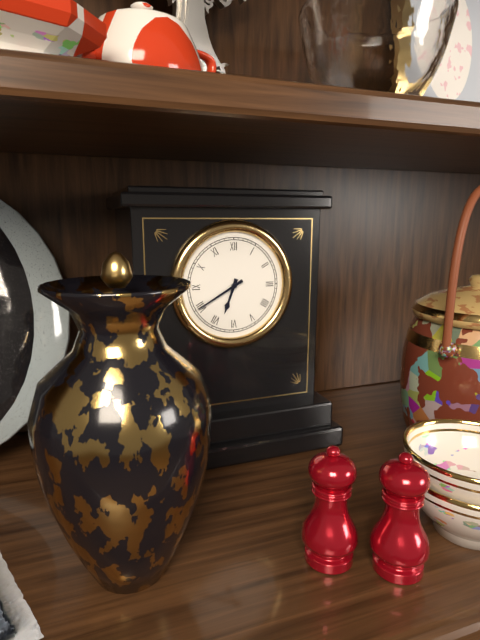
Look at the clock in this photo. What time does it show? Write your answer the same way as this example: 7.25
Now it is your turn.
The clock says 6.40
